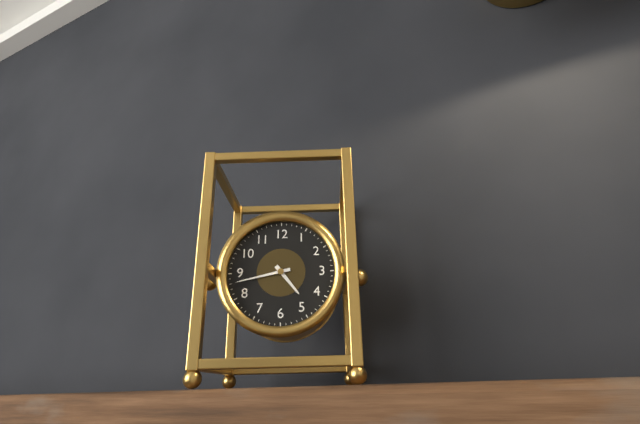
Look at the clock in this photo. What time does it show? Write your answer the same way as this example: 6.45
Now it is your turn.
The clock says 4.43
